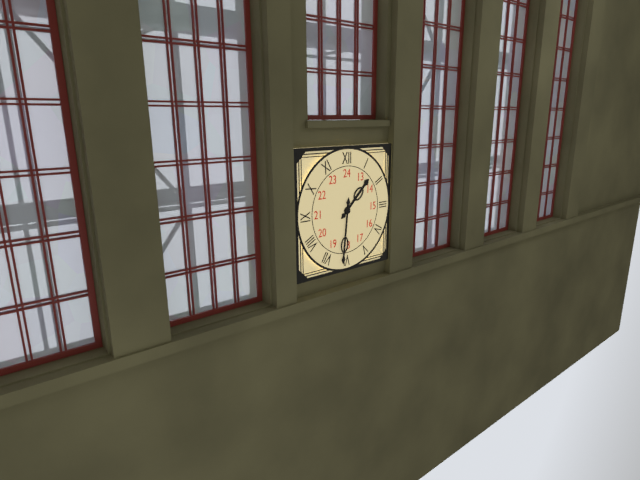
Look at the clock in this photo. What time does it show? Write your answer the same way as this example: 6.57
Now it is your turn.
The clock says 1.31
